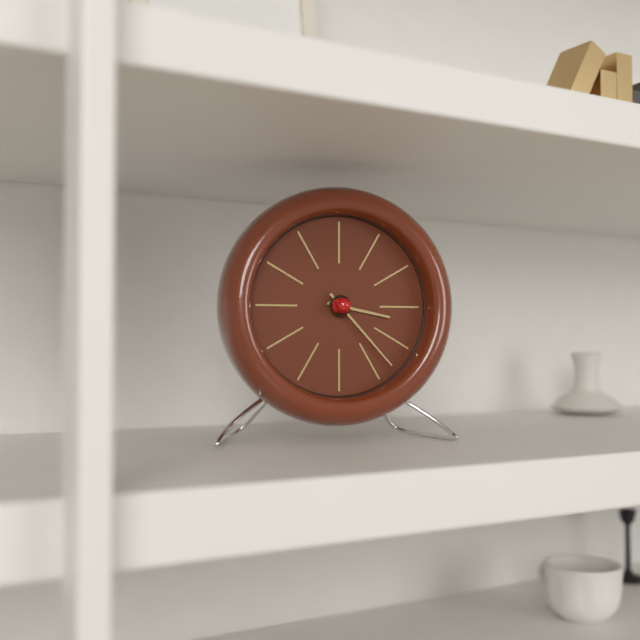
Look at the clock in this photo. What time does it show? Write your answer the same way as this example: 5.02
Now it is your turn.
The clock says 3.23
